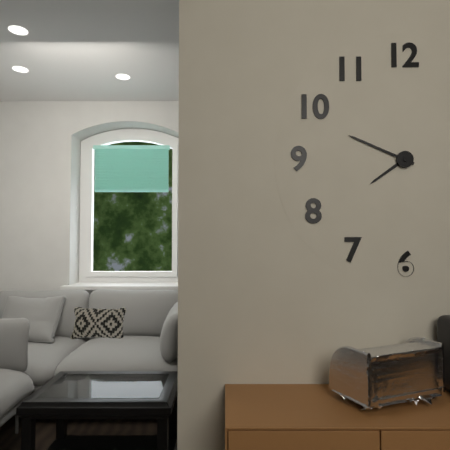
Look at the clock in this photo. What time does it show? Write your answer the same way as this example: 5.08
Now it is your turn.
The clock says 7.49
